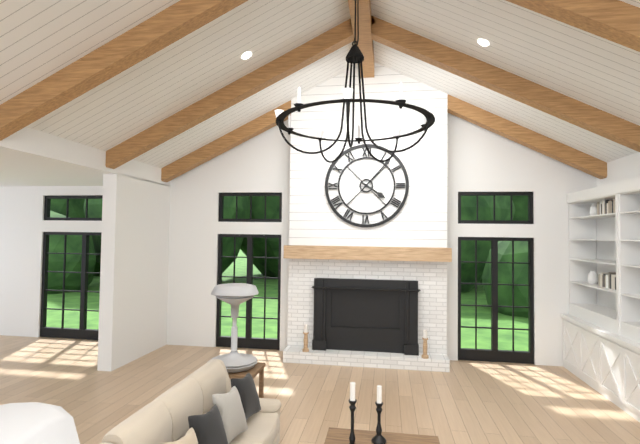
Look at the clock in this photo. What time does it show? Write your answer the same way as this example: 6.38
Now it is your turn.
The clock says 4.07
